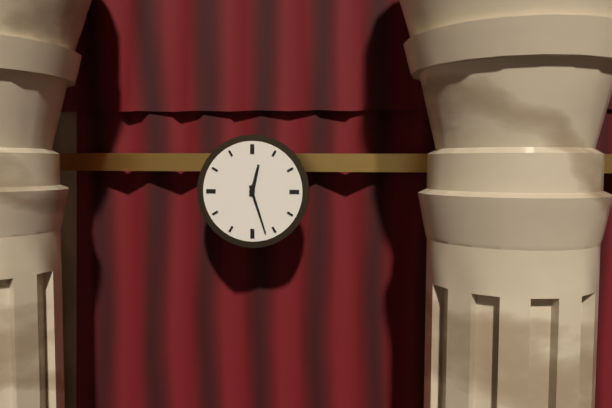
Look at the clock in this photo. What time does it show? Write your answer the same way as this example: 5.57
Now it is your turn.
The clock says 12.27
